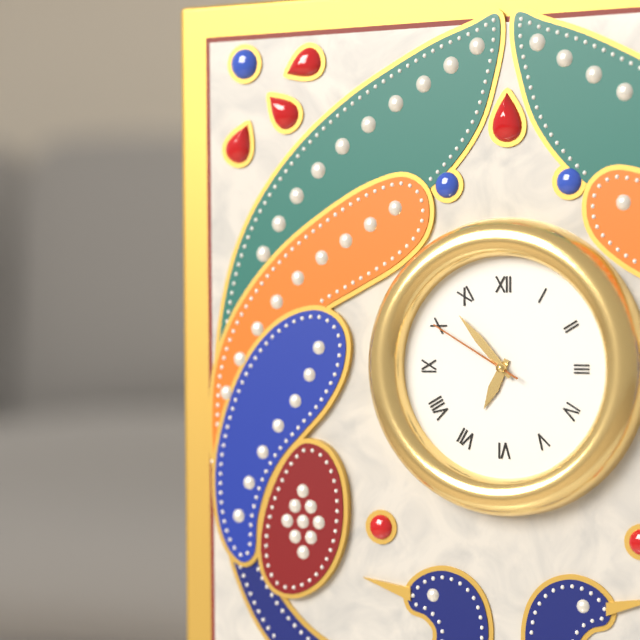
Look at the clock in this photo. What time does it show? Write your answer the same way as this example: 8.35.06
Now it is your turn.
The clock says 6.53.50
